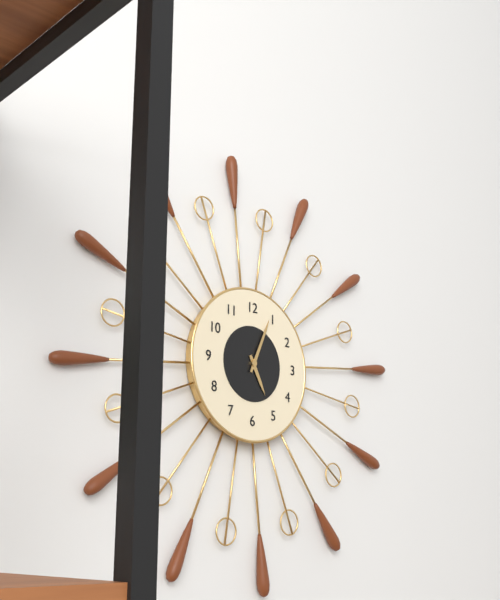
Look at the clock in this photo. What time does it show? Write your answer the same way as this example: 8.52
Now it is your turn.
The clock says 5.04
